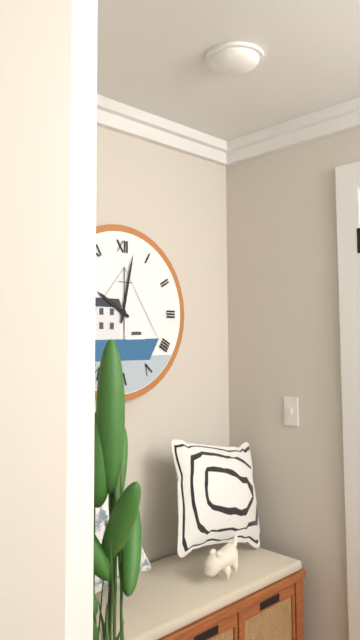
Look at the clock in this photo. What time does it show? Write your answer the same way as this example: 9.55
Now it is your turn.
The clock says 10.02
